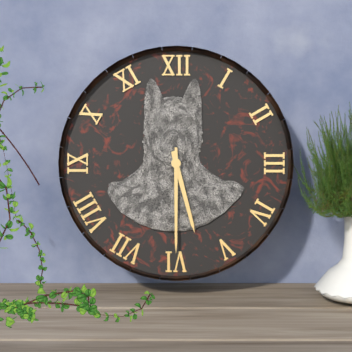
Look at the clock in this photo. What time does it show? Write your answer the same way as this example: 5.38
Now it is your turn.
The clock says 5.30
